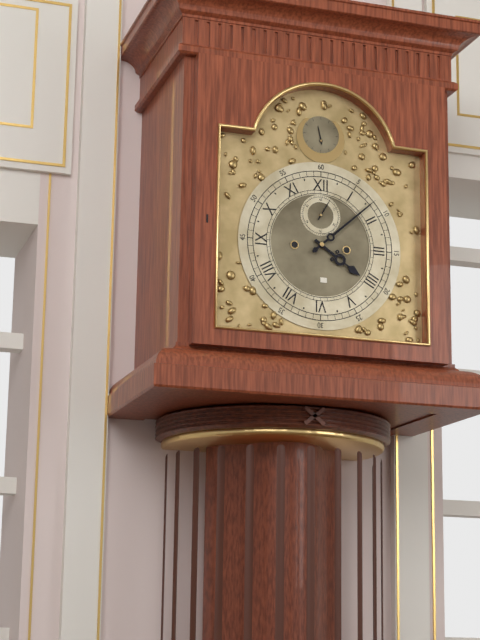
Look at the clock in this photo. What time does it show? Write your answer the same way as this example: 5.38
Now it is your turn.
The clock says 4.08
